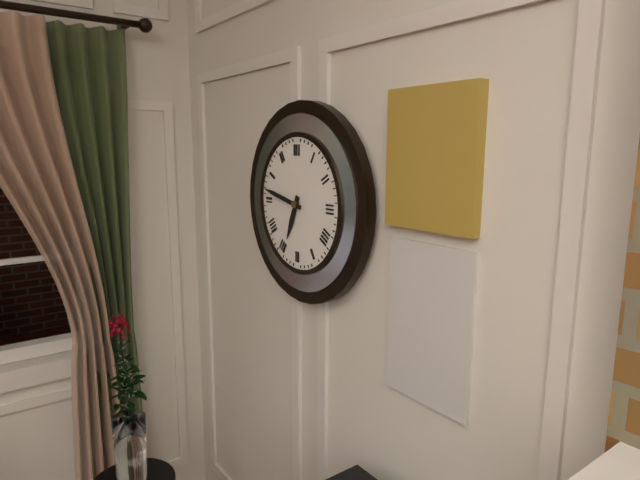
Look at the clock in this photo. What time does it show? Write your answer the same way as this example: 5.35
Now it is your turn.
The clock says 6.47
